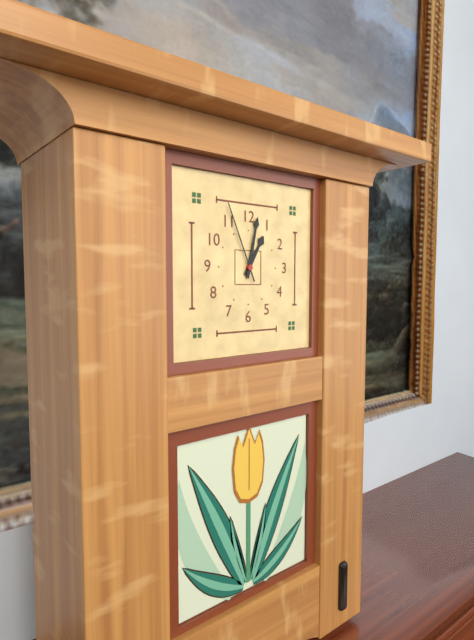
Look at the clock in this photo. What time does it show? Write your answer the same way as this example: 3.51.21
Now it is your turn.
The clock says 1.02.56
